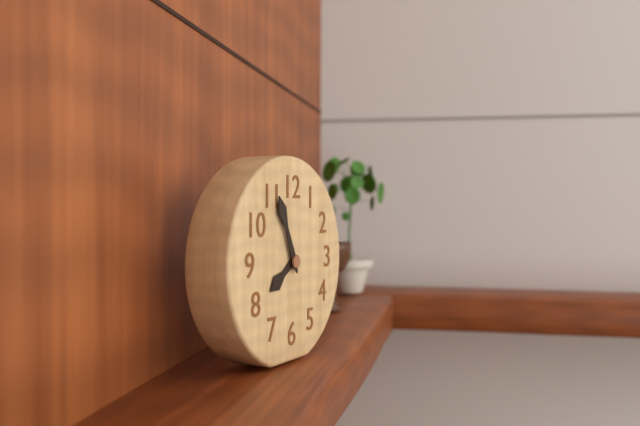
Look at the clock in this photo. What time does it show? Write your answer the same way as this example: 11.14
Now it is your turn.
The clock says 7.56
